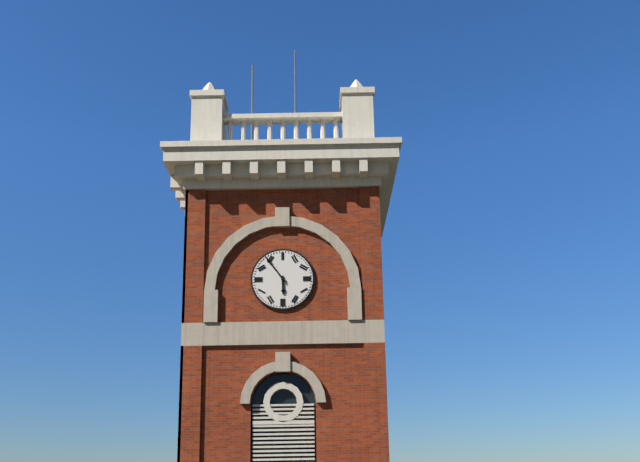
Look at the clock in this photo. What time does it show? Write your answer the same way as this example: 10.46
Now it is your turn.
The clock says 5.54
